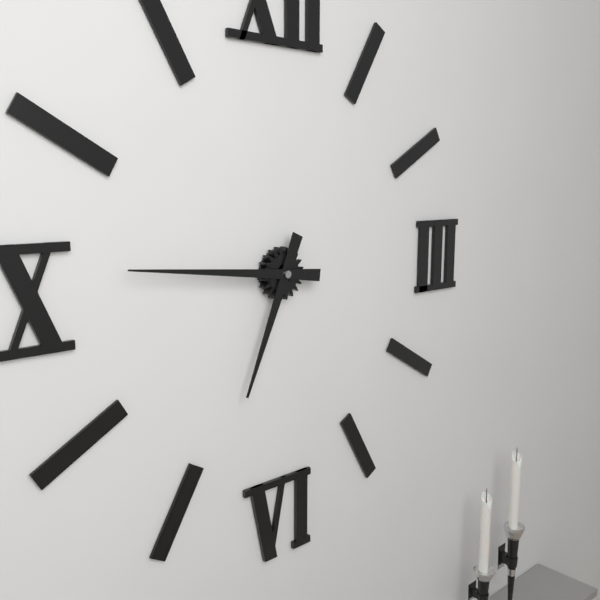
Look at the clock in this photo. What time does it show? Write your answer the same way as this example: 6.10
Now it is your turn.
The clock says 6.46
